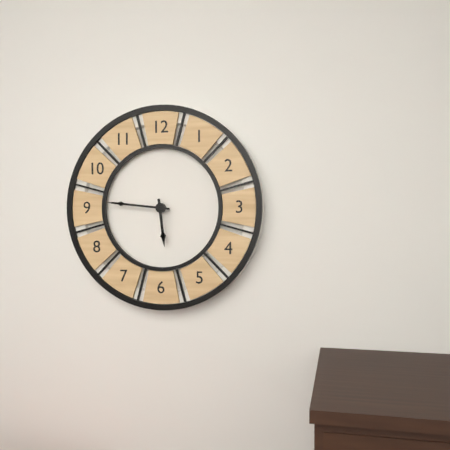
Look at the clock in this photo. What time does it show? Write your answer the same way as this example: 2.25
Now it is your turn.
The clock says 5.46
